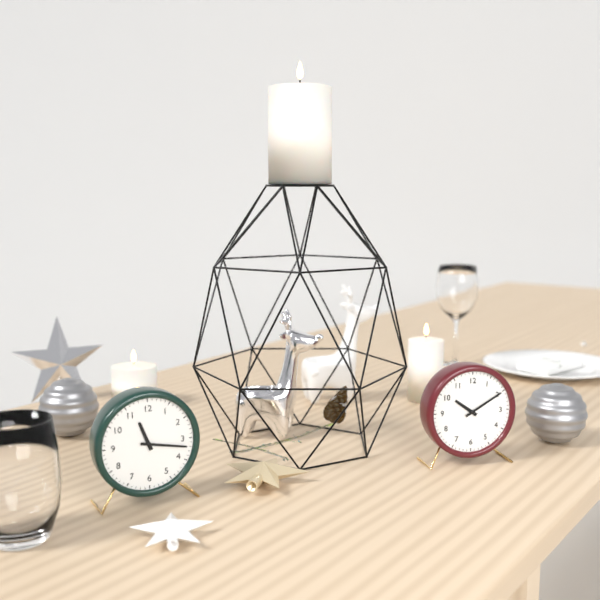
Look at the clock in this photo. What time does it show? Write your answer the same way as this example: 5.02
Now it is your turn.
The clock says 11.17
